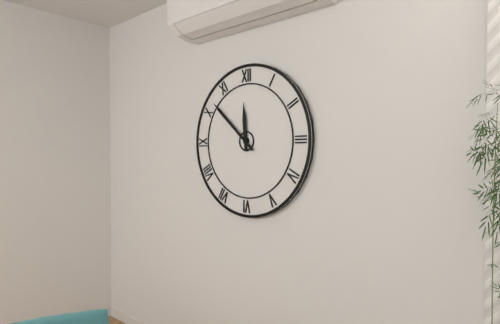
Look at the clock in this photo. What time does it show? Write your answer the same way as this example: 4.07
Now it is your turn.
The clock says 11.52
